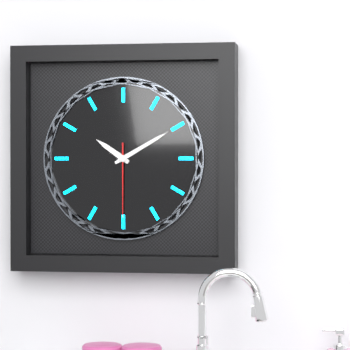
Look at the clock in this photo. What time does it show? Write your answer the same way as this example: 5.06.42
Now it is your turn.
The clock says 10.10.30
